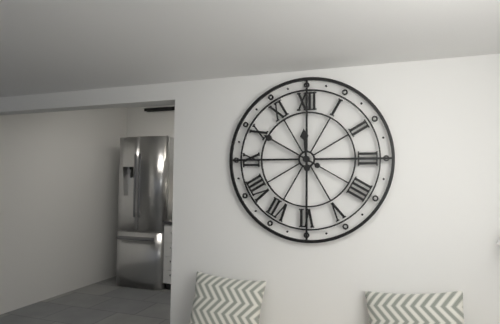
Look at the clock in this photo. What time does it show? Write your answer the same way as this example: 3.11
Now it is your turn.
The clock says 11.50
